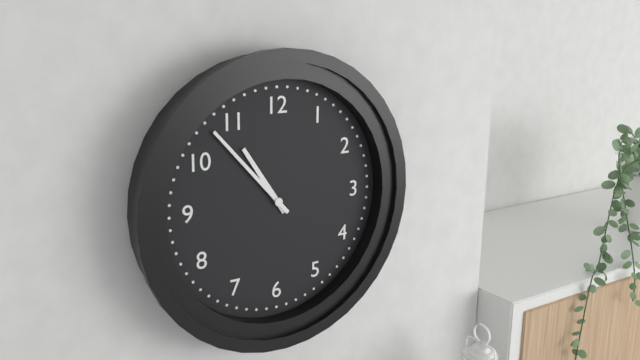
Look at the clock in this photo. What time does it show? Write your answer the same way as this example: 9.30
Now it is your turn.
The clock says 10.53
